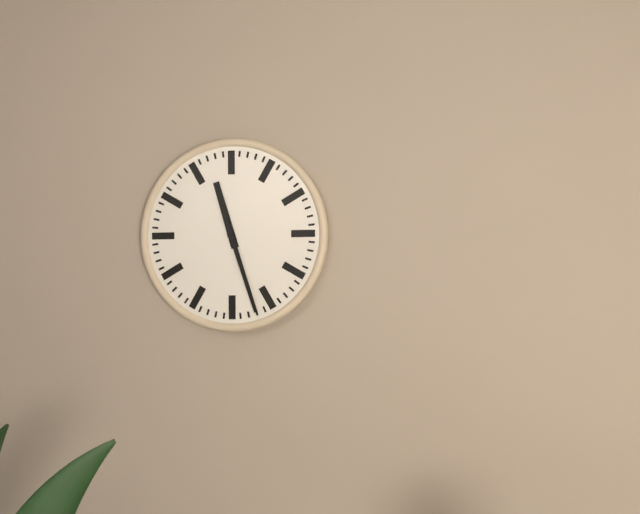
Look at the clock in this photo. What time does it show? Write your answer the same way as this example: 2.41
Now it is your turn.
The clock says 11.27
